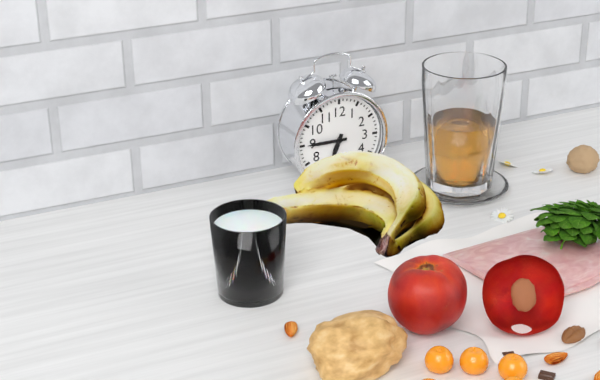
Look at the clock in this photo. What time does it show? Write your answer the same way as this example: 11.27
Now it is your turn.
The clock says 6.45
